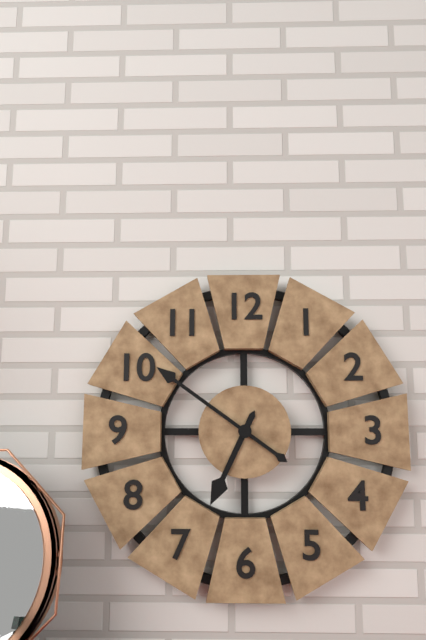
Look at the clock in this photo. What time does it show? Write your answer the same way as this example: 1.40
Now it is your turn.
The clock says 6.51
